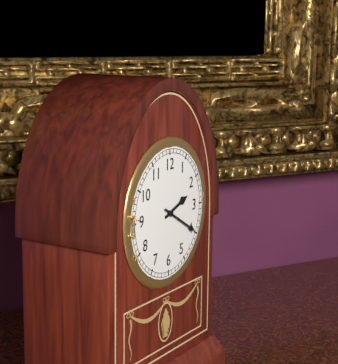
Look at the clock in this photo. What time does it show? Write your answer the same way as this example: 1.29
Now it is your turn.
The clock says 2.20
